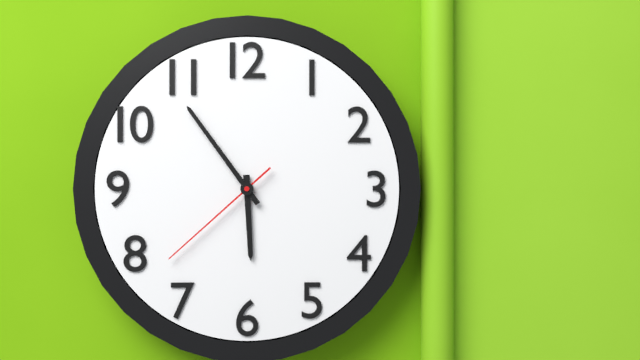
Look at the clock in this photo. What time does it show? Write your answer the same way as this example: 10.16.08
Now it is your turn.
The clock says 5.54.38
